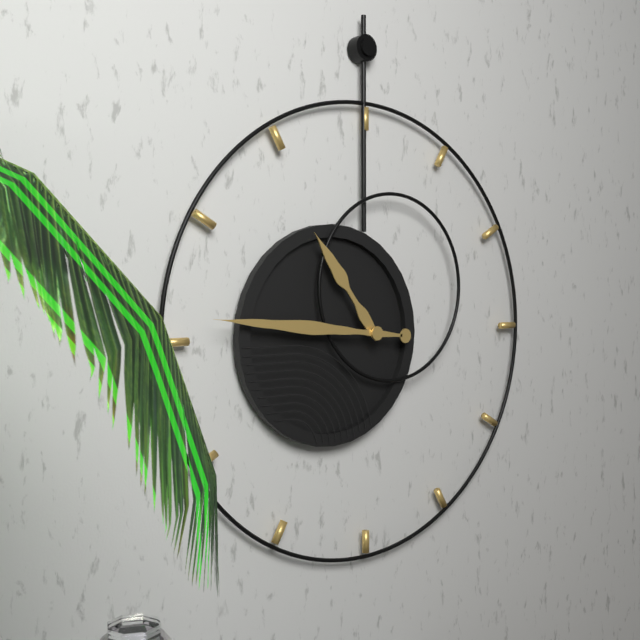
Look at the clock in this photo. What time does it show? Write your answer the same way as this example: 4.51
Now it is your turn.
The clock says 10.46
